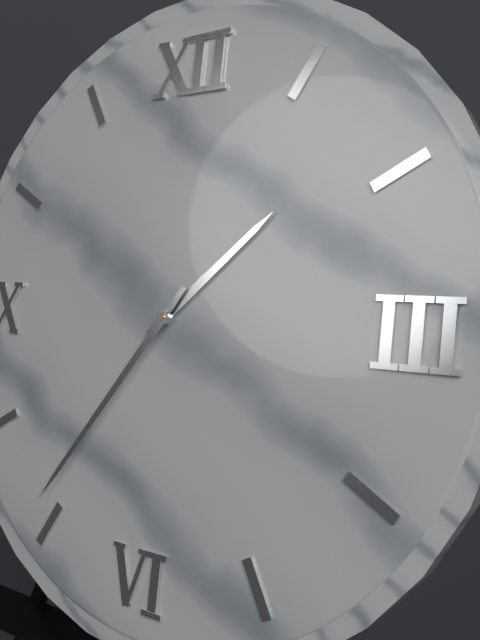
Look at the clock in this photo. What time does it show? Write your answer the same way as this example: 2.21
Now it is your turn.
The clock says 1.36
